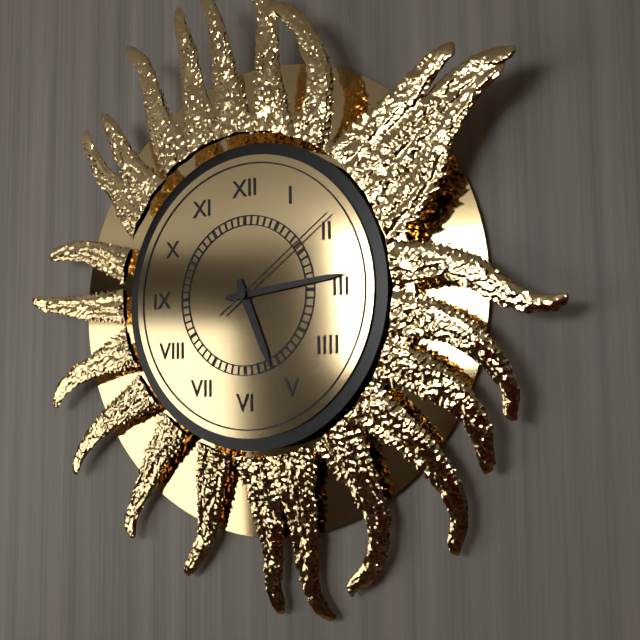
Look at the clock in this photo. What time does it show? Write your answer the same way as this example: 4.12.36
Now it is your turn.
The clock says 5.14.09
